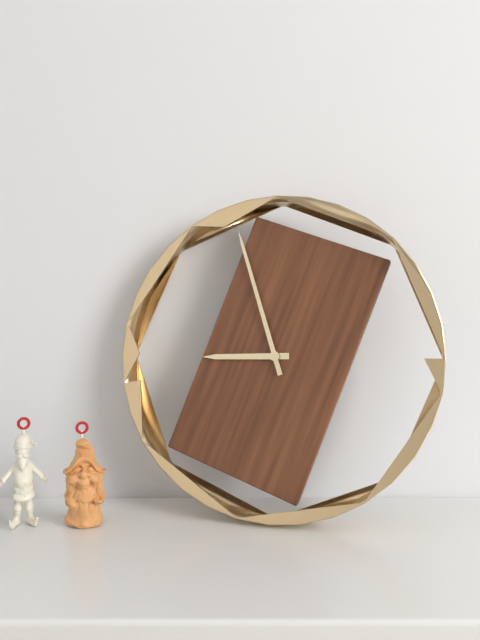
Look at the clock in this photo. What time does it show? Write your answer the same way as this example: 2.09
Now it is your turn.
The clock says 8.57
